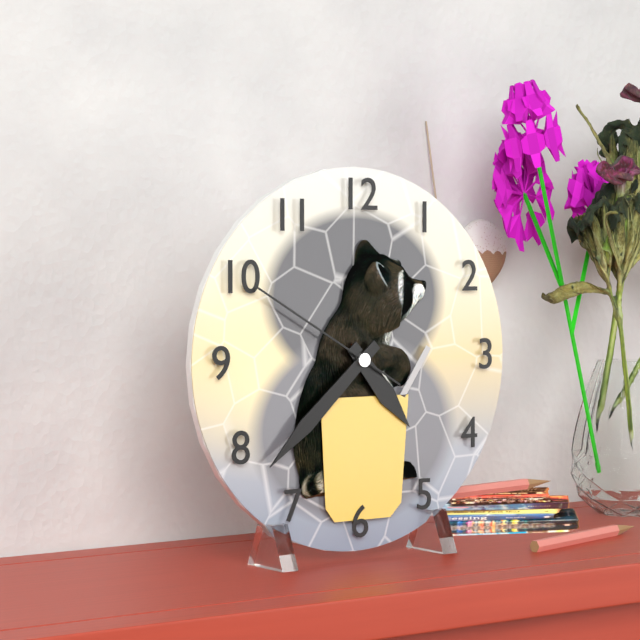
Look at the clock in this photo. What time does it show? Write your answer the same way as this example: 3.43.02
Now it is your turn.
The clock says 4.38.50
